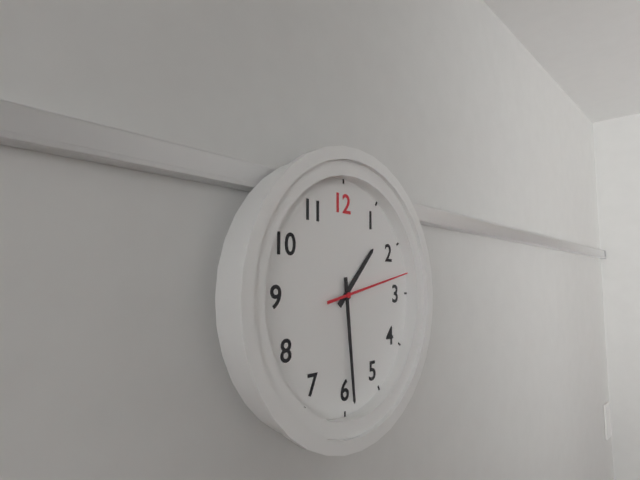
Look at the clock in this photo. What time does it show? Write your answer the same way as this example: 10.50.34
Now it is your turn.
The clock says 1.29.13
